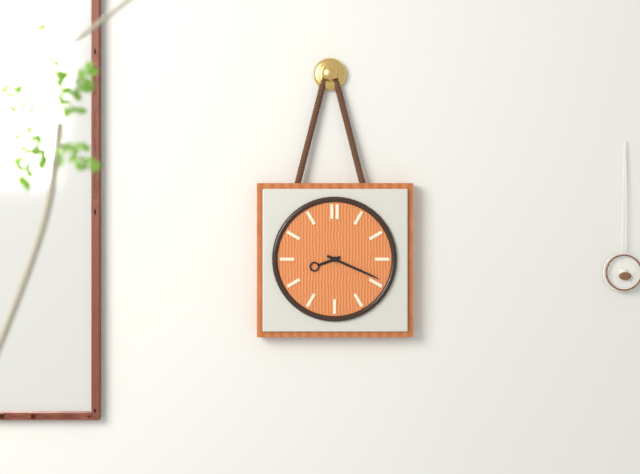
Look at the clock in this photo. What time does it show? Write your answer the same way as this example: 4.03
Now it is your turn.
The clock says 8.19
